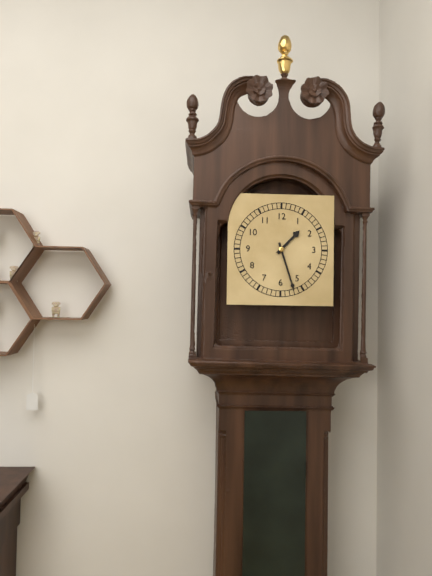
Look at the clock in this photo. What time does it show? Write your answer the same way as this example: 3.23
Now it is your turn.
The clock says 1.27
